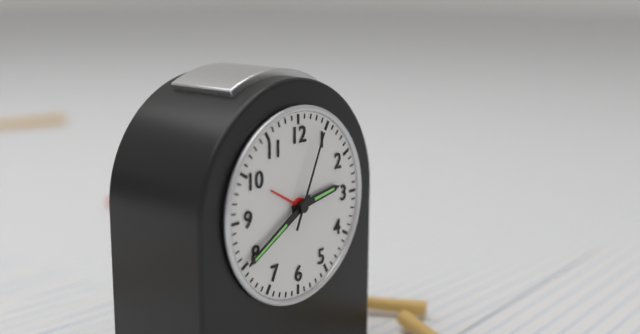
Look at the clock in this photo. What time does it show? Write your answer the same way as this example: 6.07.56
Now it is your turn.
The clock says 2.40.04
